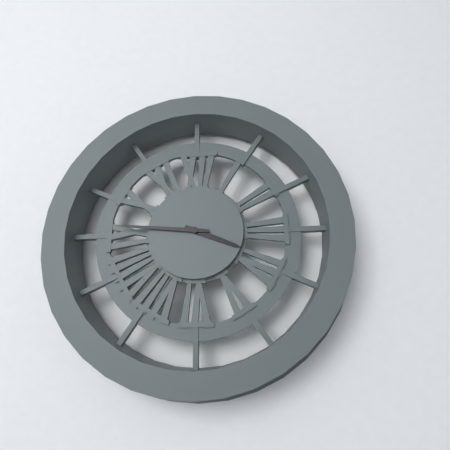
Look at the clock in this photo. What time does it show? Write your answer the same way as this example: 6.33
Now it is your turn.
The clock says 3.46
